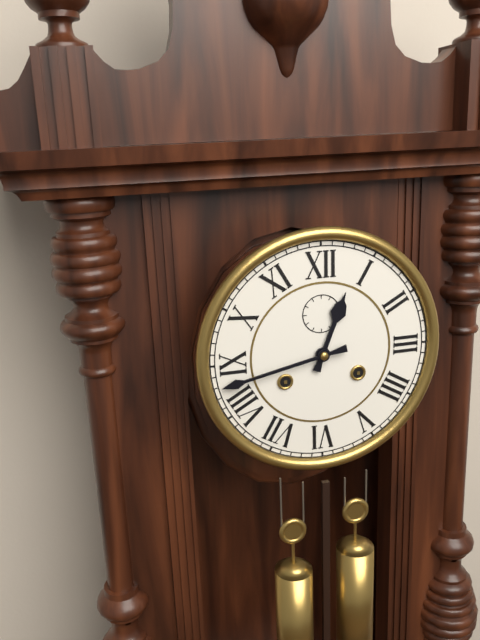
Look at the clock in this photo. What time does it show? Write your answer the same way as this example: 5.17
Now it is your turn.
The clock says 12.43
